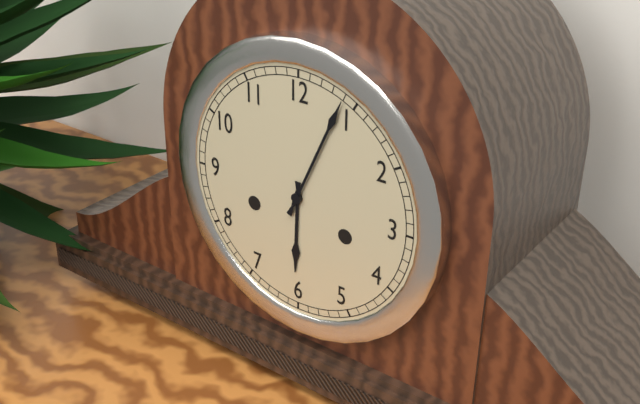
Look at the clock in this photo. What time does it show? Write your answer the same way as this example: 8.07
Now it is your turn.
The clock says 6.04
